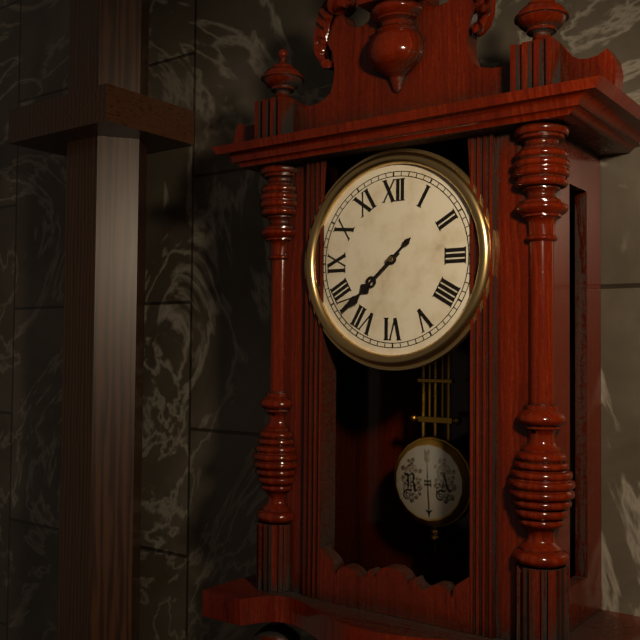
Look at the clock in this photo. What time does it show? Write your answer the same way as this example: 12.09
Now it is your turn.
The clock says 7.38
